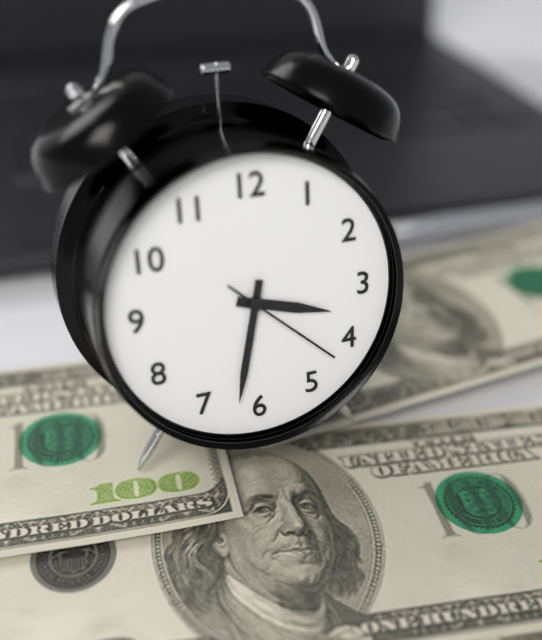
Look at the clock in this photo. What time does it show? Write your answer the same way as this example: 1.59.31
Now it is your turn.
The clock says 3.32.22
